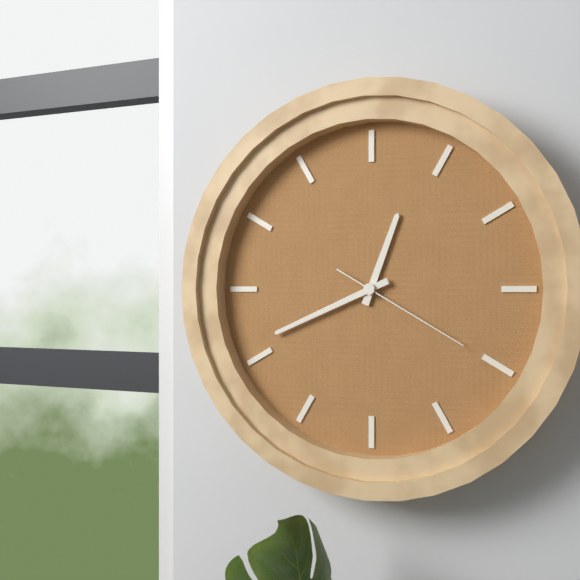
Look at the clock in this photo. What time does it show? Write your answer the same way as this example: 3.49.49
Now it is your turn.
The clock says 12.41.20
